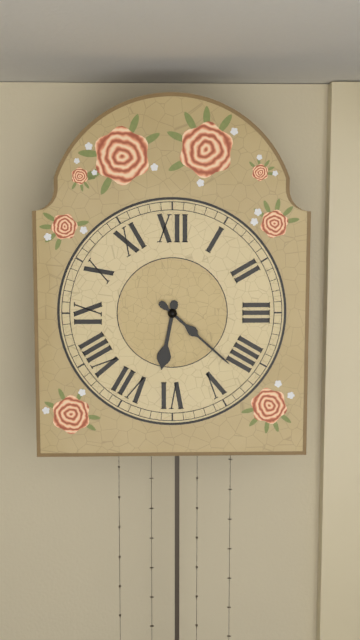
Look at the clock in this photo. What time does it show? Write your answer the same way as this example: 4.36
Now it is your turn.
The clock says 6.22
